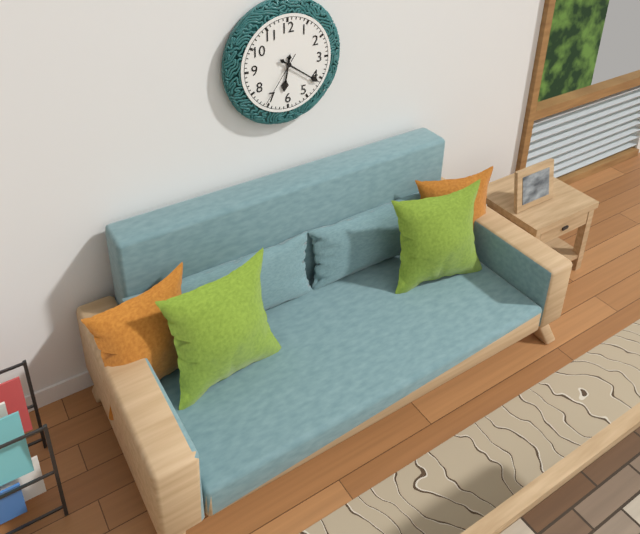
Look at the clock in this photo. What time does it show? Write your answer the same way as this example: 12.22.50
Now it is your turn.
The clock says 6.21.36
